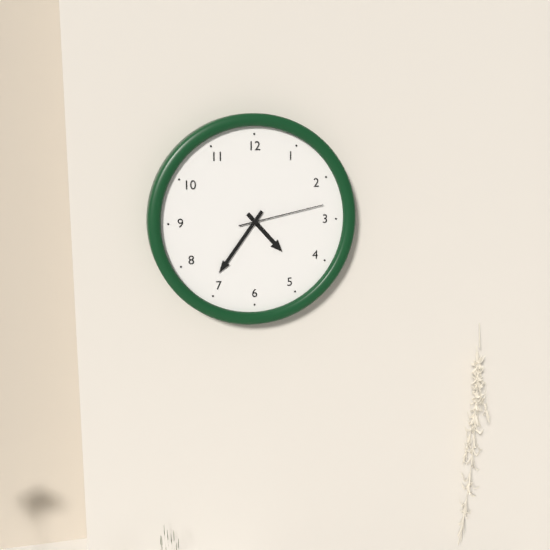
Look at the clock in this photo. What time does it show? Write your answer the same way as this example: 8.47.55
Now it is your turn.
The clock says 4.36.13
